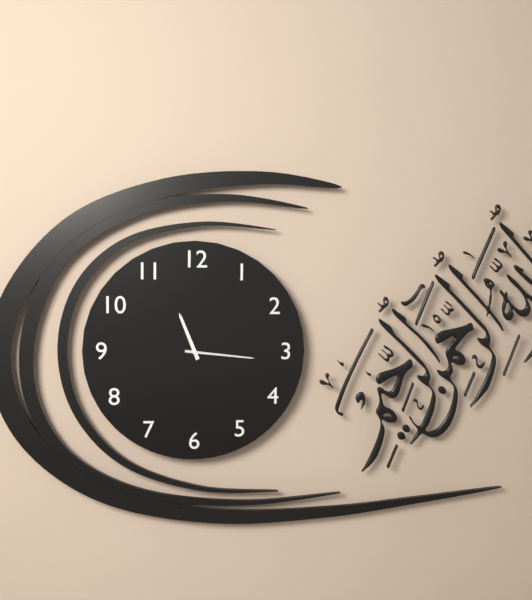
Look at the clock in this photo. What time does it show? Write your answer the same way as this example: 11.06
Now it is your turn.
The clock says 11.16
